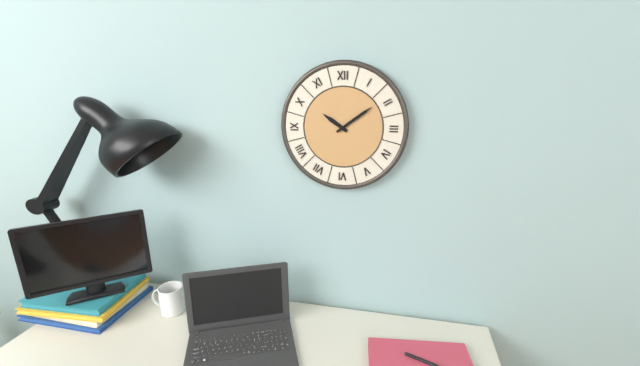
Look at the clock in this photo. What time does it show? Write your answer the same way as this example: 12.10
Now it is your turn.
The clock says 10.09
